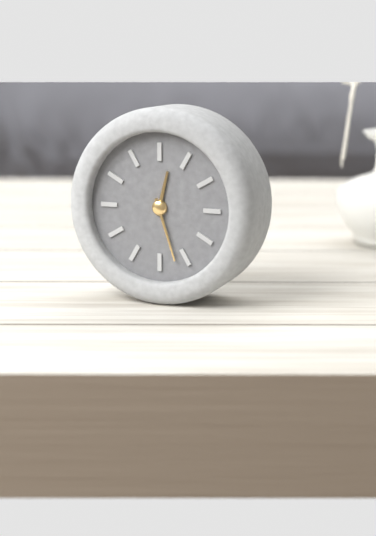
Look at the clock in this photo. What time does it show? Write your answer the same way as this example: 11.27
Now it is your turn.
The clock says 12.27
